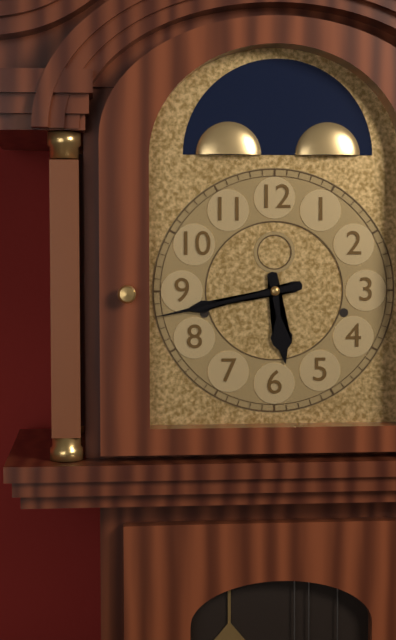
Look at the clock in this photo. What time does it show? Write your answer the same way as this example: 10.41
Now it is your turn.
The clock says 5.43
